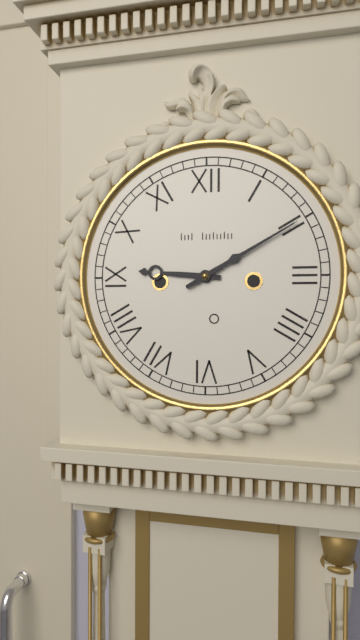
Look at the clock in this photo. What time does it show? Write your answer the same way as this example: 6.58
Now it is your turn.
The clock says 9.10
